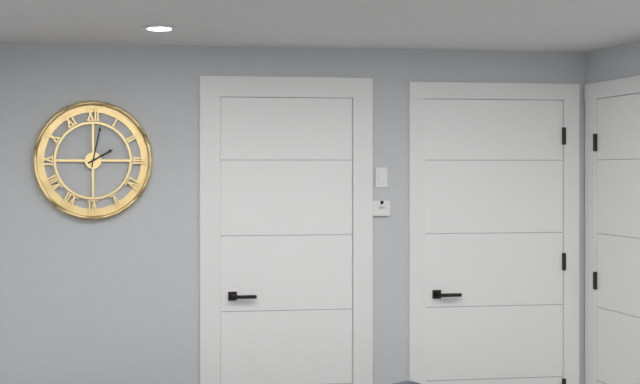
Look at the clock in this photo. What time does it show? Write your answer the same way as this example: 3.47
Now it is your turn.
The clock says 2.02
